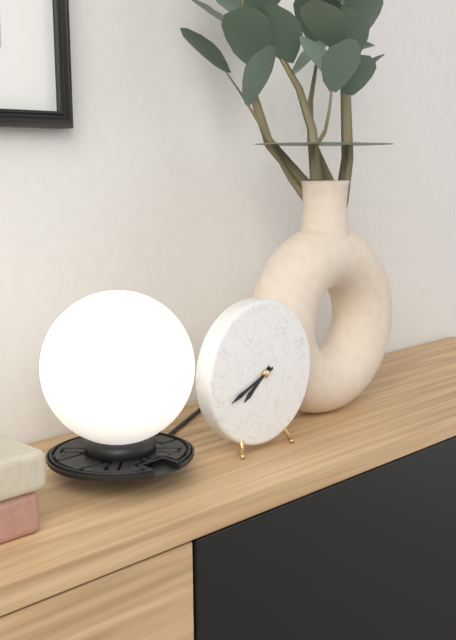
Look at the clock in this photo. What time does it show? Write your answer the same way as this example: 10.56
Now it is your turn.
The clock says 7.41
